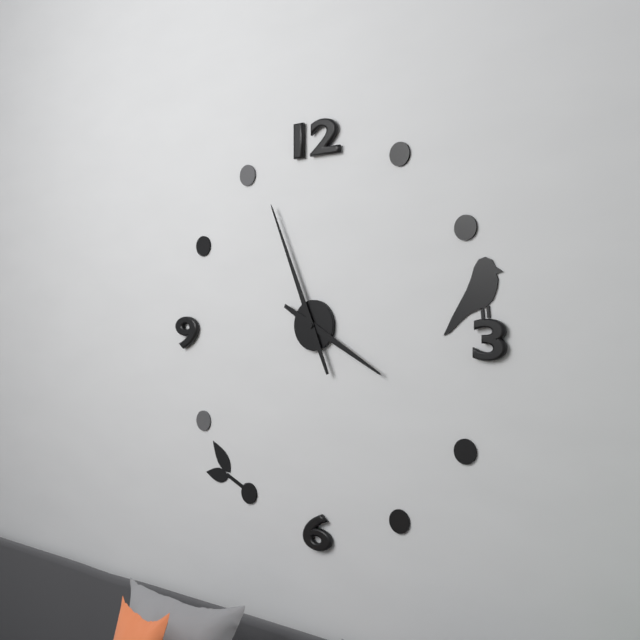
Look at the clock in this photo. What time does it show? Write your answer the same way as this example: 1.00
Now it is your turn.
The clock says 3.56
